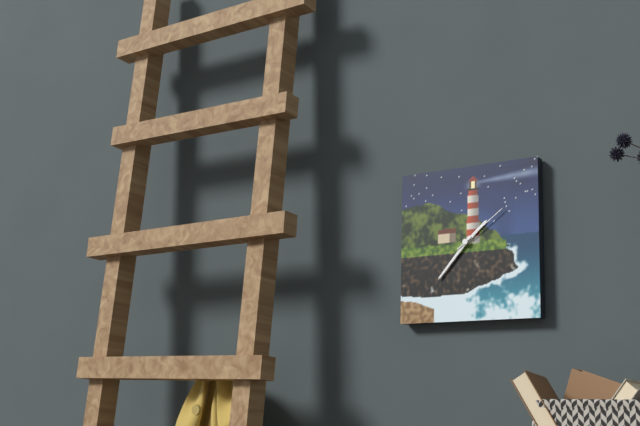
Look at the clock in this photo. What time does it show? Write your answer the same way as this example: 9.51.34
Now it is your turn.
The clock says 1.37.09
